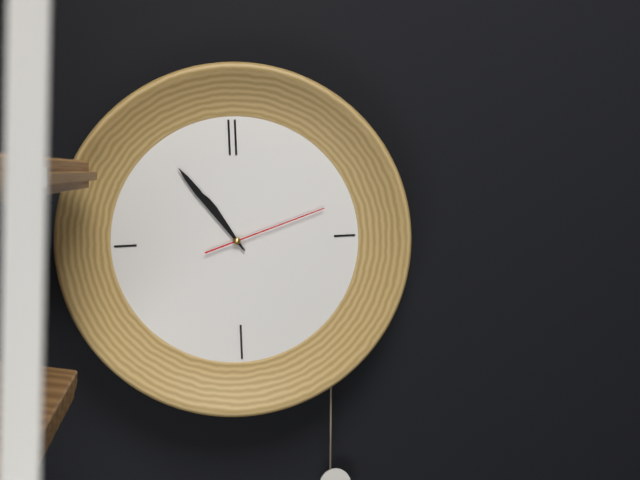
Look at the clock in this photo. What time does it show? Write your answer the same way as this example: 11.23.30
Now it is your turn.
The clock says 10.54.12
